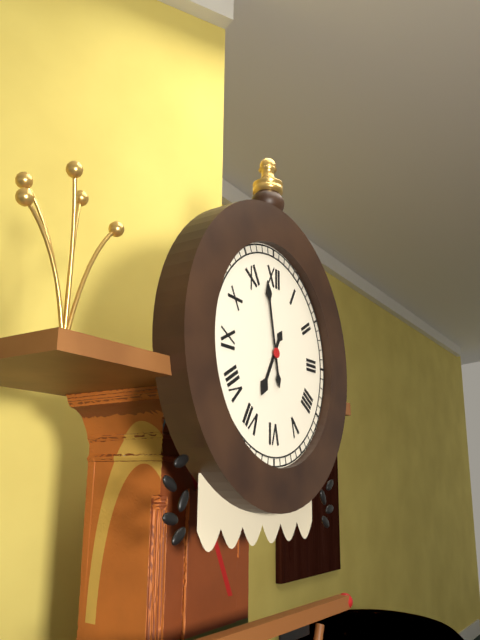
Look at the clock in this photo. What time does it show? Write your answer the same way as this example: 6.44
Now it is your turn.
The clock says 6.58
